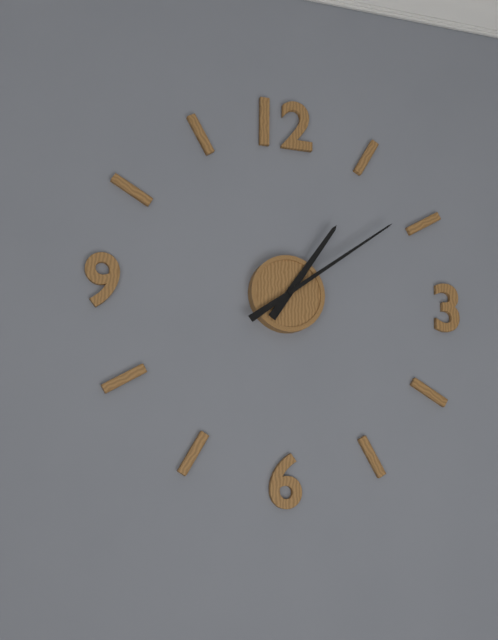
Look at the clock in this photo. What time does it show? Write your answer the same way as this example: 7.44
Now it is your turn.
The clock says 1.09
